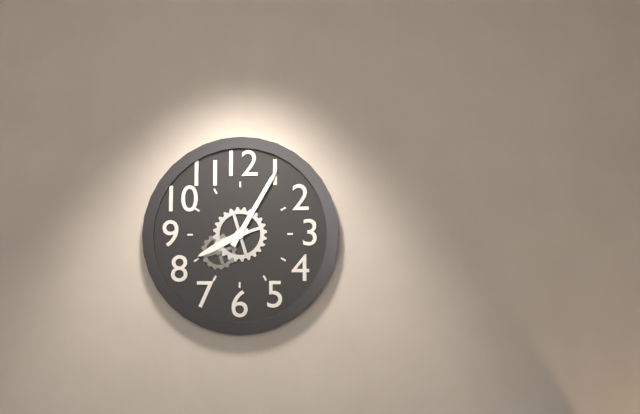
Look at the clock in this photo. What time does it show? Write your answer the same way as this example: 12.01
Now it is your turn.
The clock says 8.05
